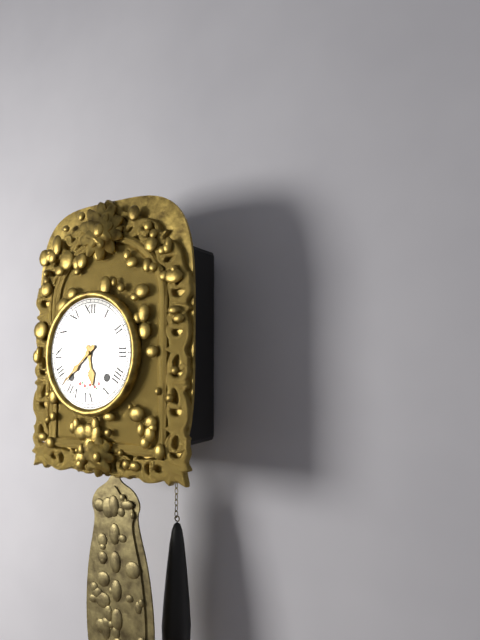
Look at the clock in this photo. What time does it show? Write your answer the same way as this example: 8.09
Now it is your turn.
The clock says 5.38
